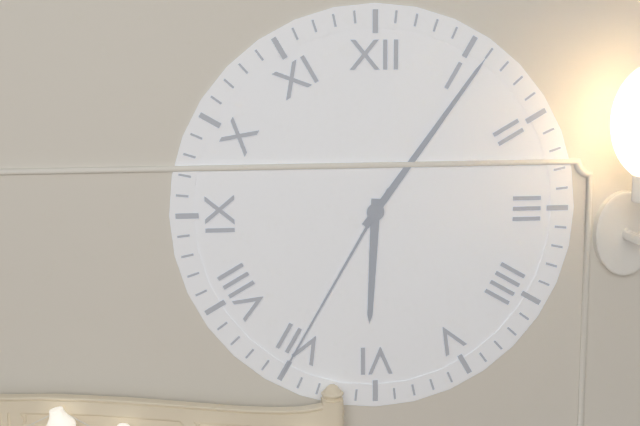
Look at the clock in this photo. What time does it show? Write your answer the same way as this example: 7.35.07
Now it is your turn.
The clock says 6.06.35
